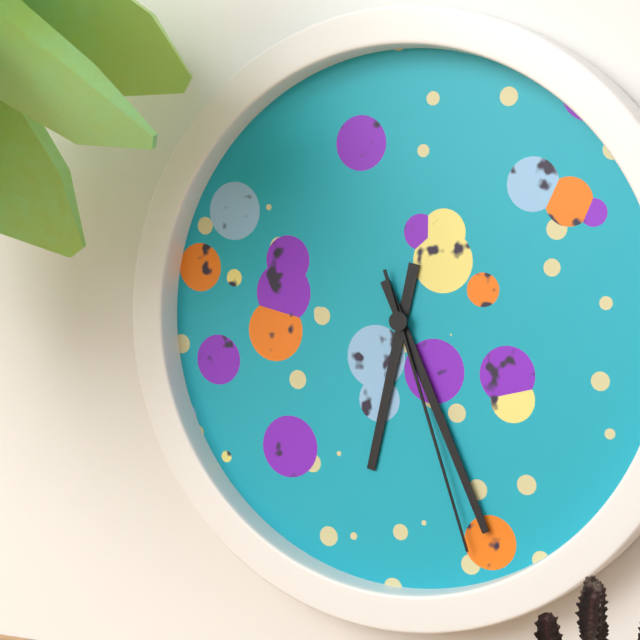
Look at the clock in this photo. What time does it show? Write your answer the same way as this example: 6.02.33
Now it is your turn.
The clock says 6.26.27
